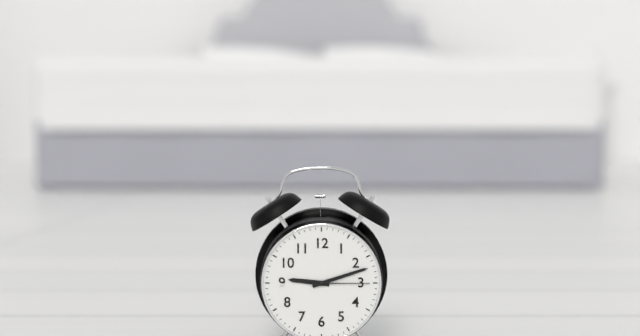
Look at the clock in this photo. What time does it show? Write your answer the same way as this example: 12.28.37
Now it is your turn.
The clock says 9.12.15
